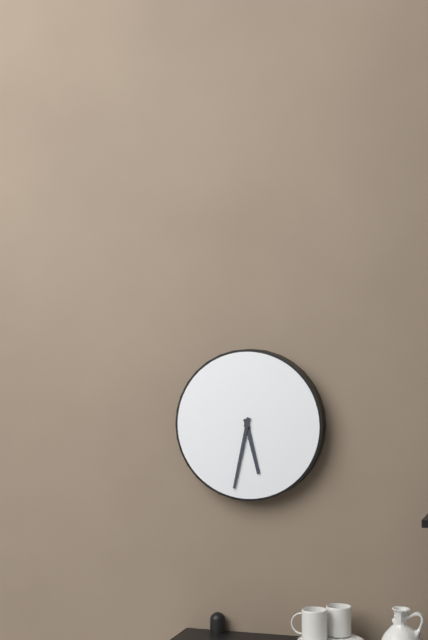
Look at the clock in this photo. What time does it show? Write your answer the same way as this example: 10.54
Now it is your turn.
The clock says 5.32
